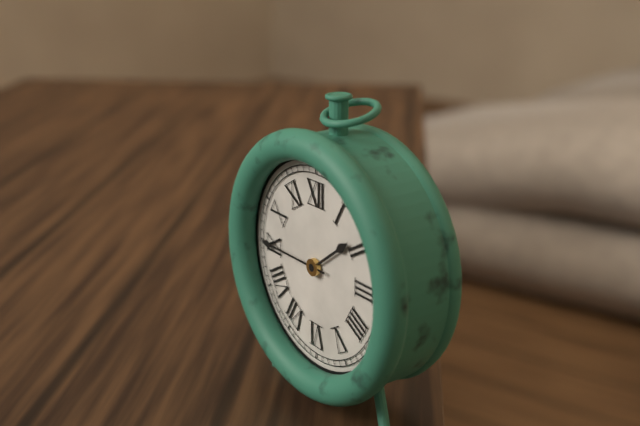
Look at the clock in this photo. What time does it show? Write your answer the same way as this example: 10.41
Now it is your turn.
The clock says 1.45
